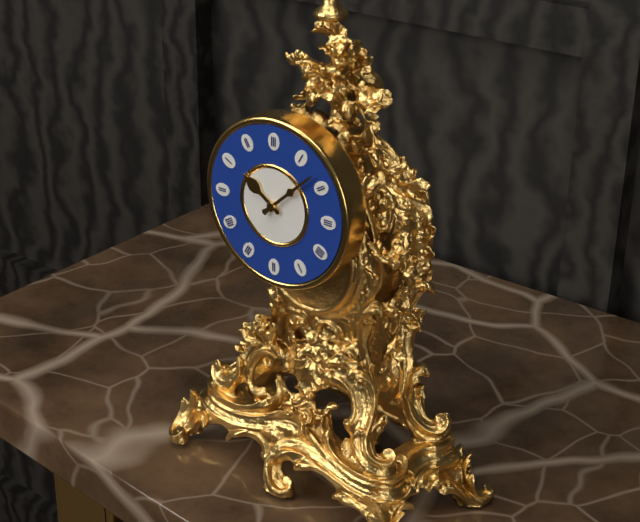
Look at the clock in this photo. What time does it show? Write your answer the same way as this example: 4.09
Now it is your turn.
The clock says 10.08
